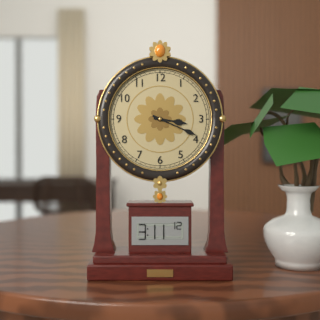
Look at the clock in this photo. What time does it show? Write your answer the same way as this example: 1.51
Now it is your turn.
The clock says 3.19
